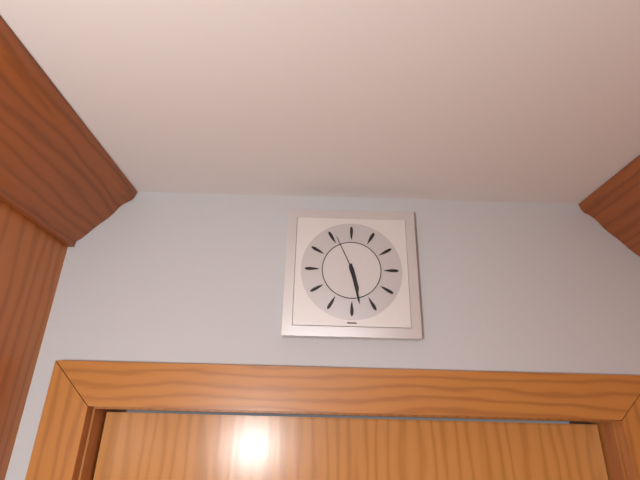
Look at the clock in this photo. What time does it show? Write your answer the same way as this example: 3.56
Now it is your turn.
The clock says 5.28
